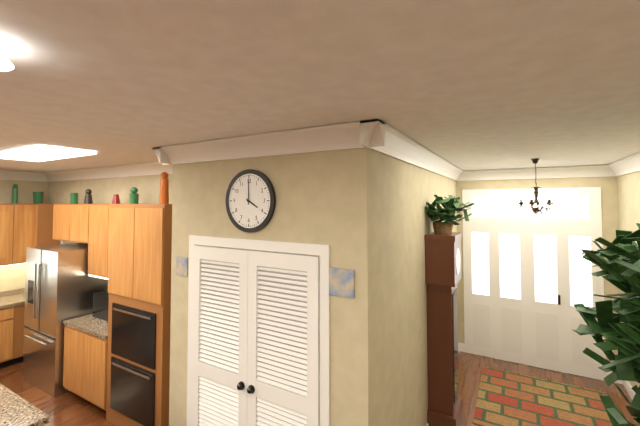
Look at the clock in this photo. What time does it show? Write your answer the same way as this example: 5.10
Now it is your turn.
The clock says 4.00
